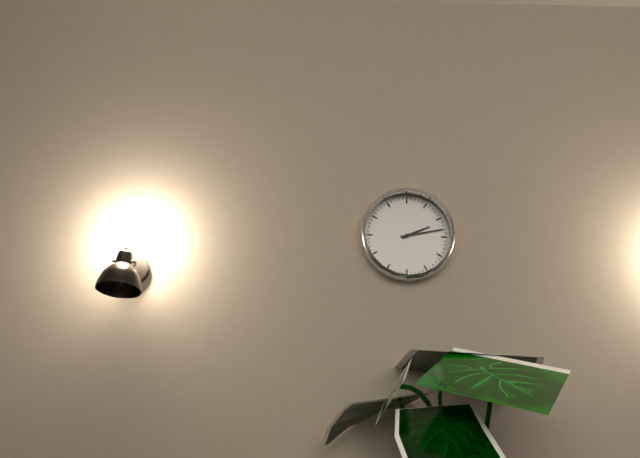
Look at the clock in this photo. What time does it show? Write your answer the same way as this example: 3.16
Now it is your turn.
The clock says 2.13
